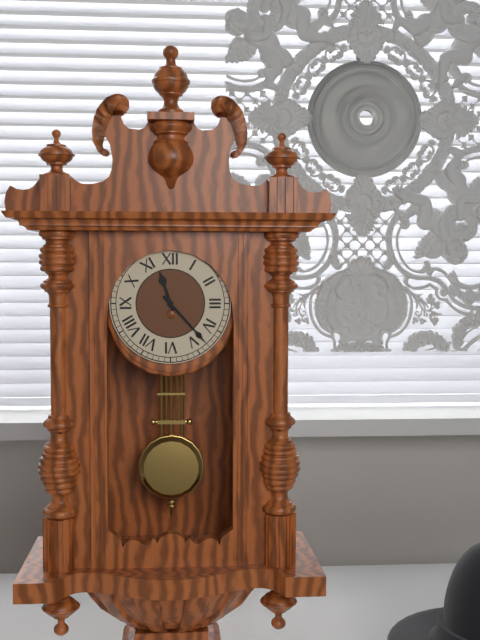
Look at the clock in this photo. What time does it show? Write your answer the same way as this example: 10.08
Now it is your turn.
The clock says 11.23
